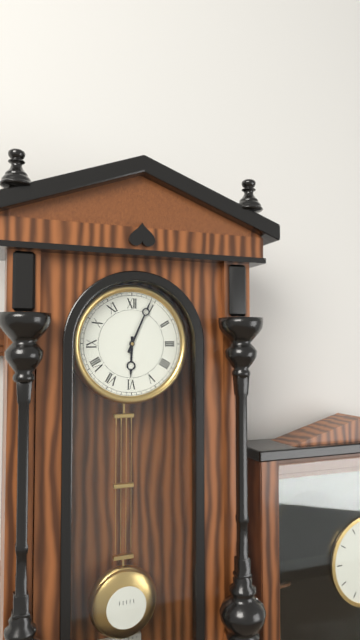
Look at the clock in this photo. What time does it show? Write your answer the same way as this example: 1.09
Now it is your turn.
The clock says 6.04
